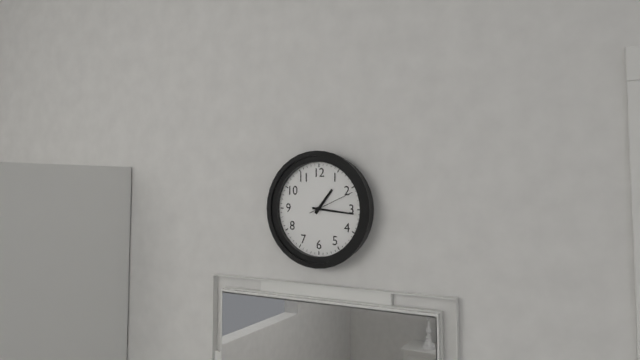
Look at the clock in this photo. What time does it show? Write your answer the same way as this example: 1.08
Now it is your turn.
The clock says 1.16
